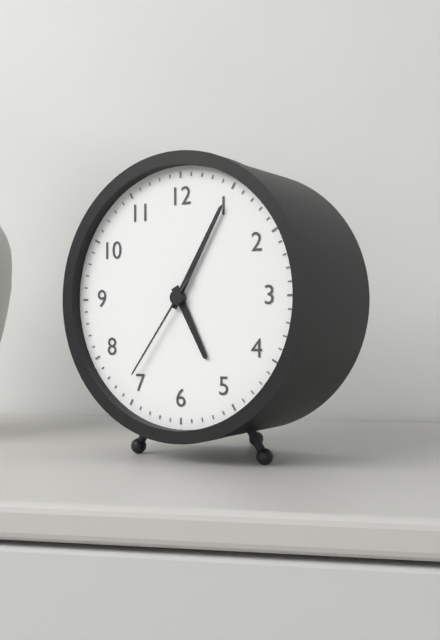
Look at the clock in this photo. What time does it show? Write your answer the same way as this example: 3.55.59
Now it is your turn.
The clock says 5.05.36
